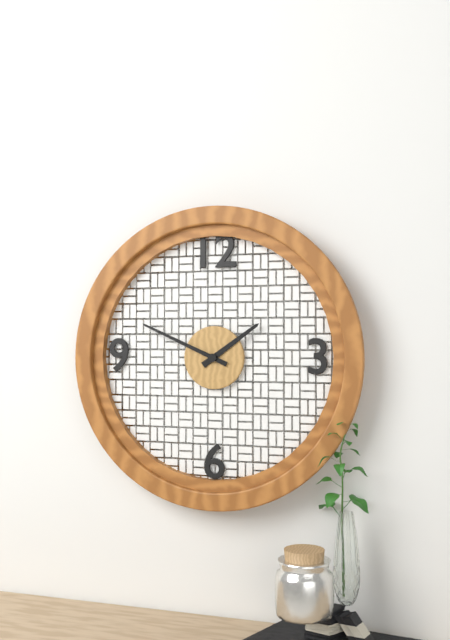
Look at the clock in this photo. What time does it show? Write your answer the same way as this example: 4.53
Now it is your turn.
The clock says 1.49
